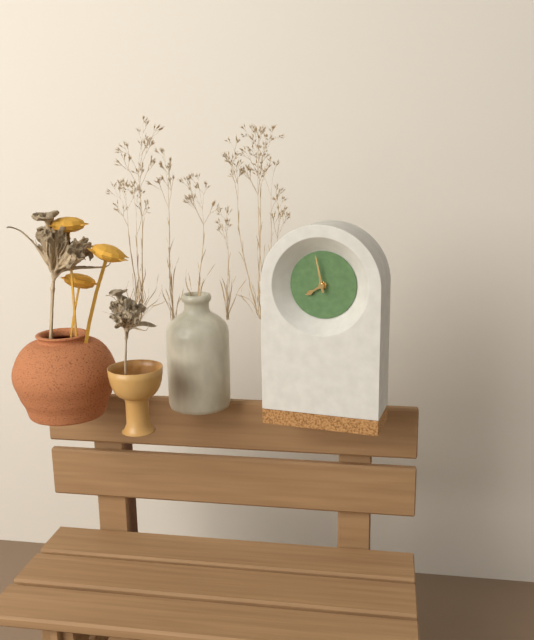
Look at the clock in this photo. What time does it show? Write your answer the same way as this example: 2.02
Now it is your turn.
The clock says 7.58
